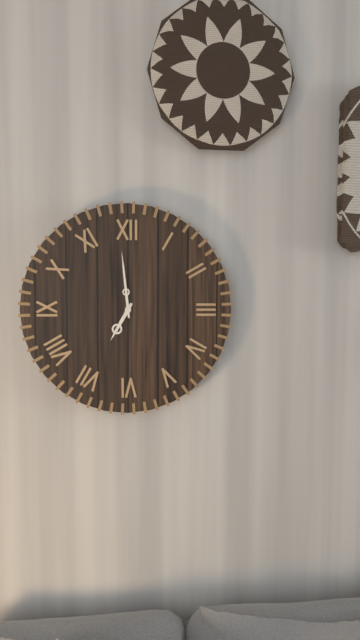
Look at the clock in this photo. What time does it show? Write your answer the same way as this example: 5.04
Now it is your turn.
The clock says 6.59
